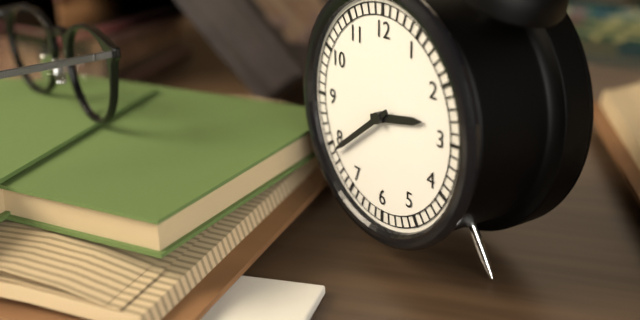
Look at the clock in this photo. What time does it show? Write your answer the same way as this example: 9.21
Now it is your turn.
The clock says 2.39
